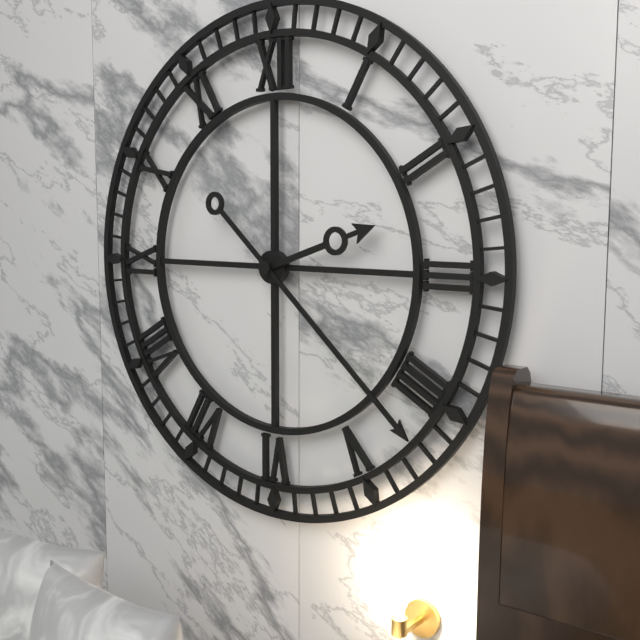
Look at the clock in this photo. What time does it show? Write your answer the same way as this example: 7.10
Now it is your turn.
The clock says 2.22
